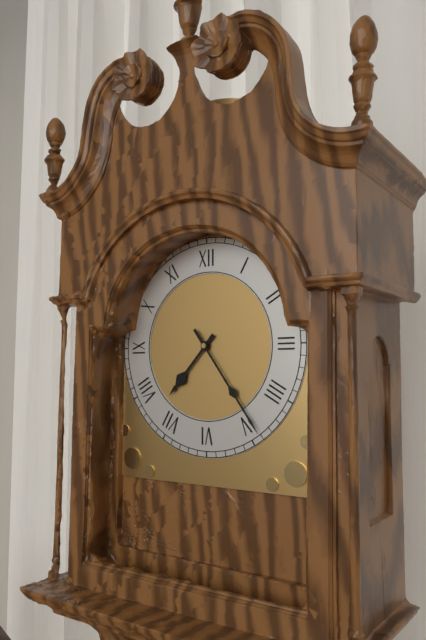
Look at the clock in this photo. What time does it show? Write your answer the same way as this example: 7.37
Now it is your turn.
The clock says 7.24
